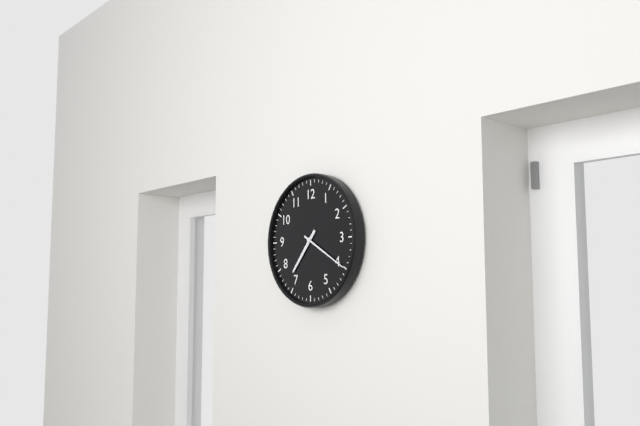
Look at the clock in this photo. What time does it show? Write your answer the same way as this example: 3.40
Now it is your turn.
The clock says 7.20
